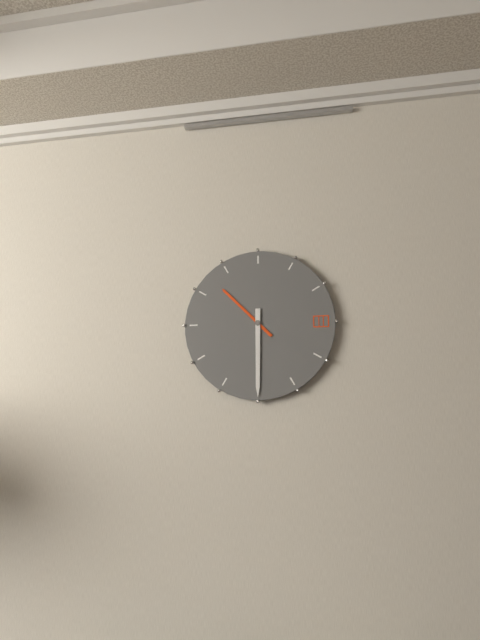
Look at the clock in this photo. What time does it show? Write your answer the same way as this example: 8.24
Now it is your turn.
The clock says 10.30
